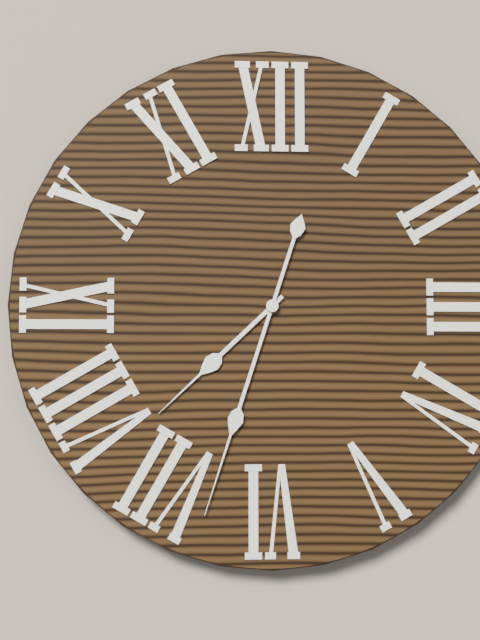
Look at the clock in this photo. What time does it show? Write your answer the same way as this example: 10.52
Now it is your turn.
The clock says 7.33
